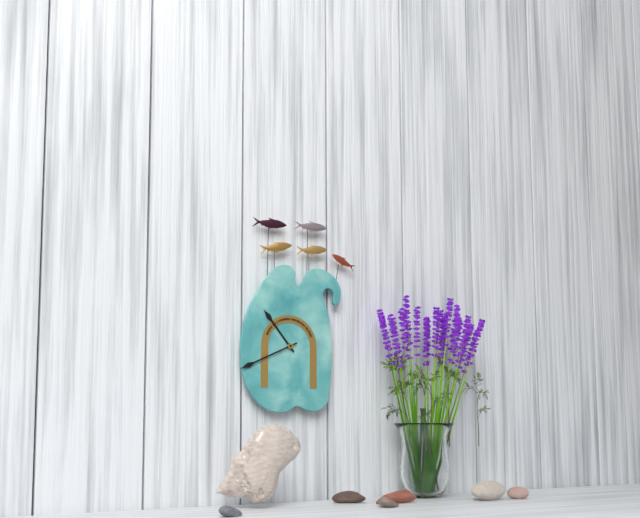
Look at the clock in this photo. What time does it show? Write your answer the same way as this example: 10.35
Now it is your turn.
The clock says 10.41
